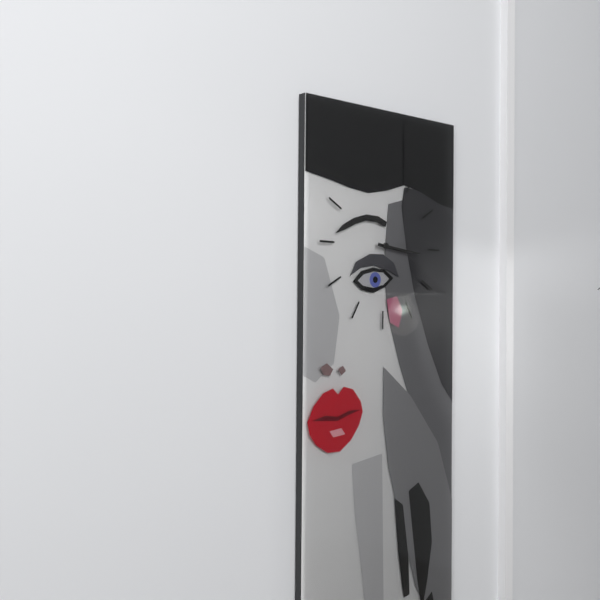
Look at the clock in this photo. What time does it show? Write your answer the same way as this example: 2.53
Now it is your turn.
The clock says 3.16
